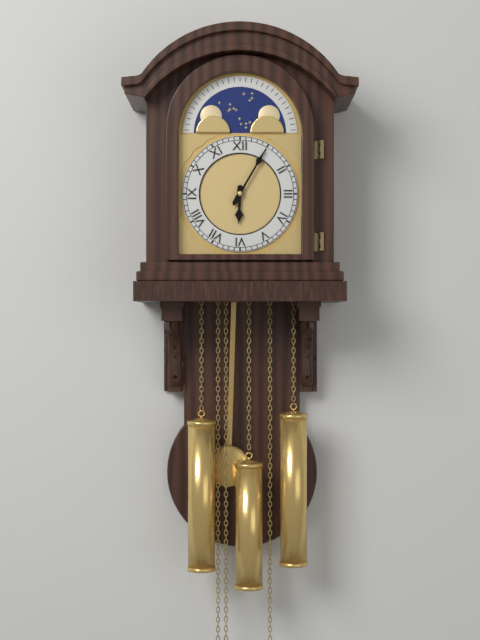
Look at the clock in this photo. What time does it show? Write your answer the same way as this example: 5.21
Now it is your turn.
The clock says 6.05
